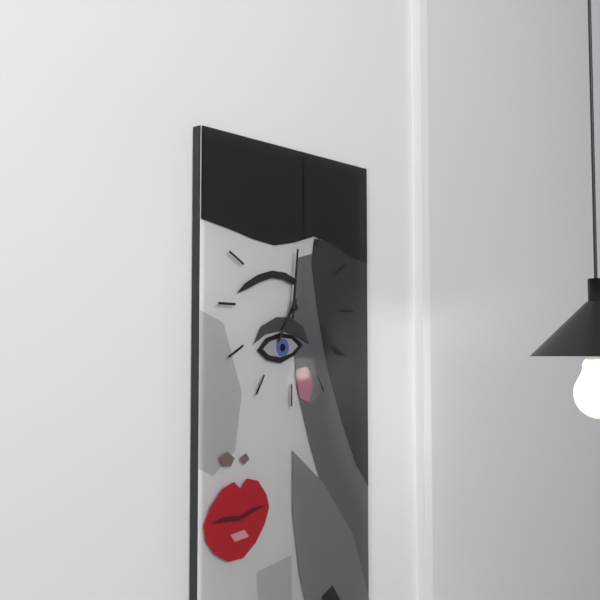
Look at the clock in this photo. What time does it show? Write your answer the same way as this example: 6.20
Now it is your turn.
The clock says 7.01
